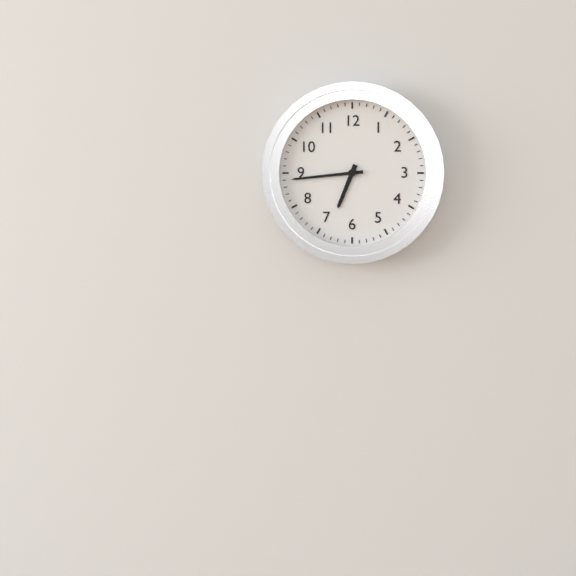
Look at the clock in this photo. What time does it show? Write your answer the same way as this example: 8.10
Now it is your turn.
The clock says 6.44
